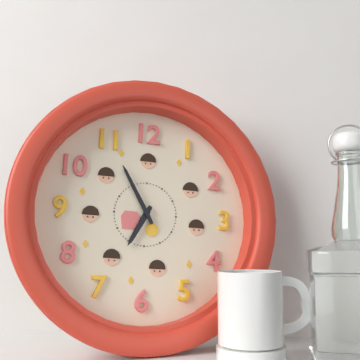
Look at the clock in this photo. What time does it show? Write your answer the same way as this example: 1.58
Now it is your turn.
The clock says 6.55
